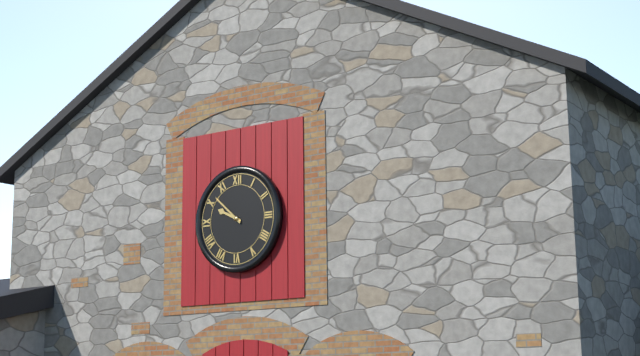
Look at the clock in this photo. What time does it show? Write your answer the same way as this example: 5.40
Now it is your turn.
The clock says 9.52
